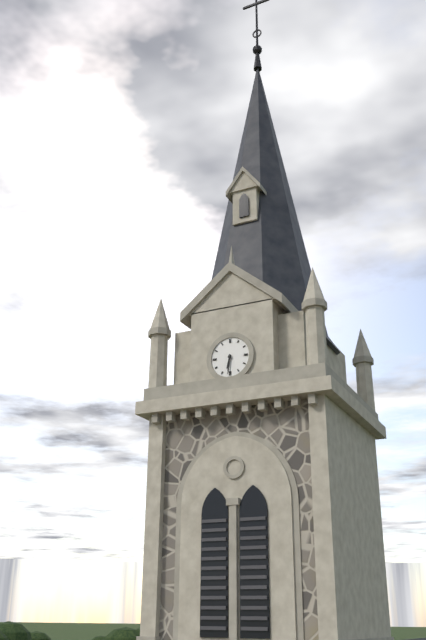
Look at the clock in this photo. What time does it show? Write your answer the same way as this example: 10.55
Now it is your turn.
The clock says 6.31
